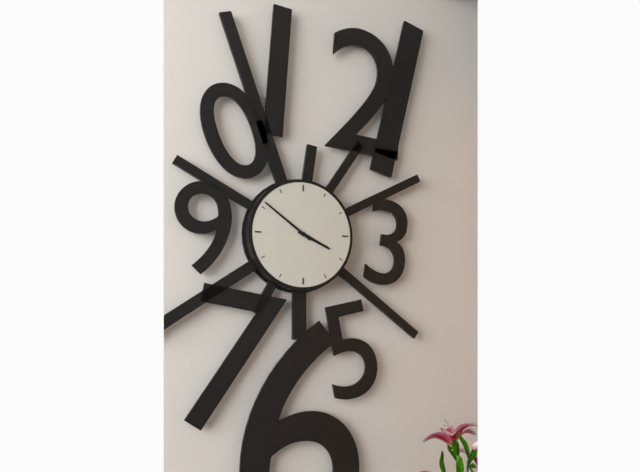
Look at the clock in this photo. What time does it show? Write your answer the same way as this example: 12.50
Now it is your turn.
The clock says 3.51
